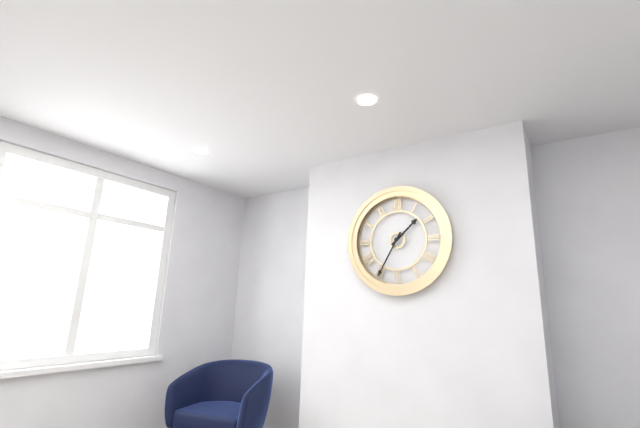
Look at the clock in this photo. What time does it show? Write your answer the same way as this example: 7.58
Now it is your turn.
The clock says 1.35
